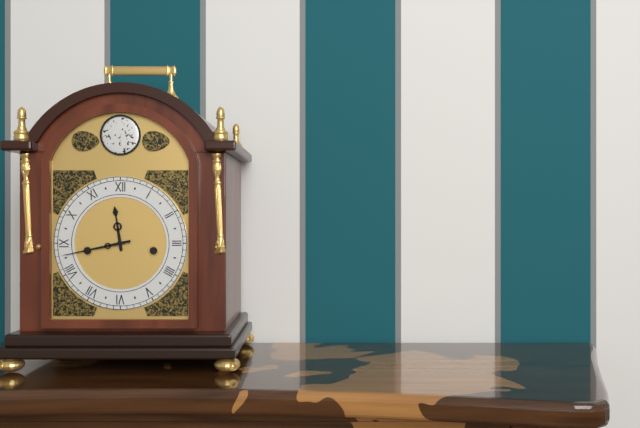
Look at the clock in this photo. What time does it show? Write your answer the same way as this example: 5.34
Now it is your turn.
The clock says 11.43
